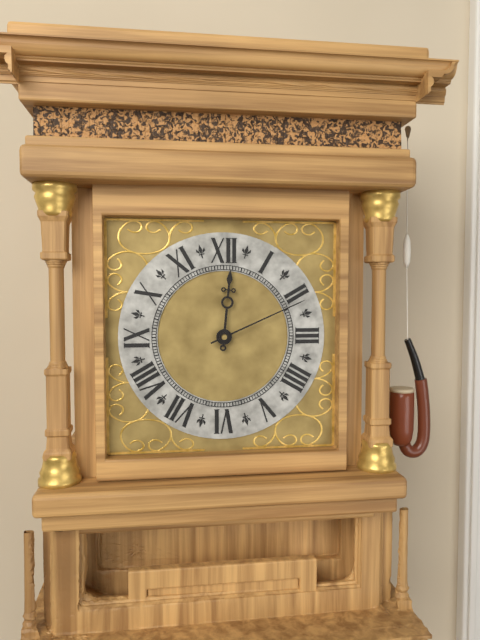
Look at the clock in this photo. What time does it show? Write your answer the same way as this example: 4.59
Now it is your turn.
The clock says 12.11
